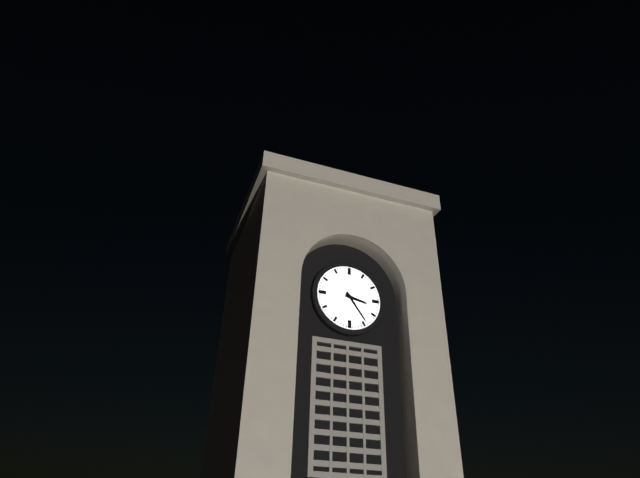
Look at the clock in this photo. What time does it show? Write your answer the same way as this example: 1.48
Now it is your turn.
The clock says 3.24
